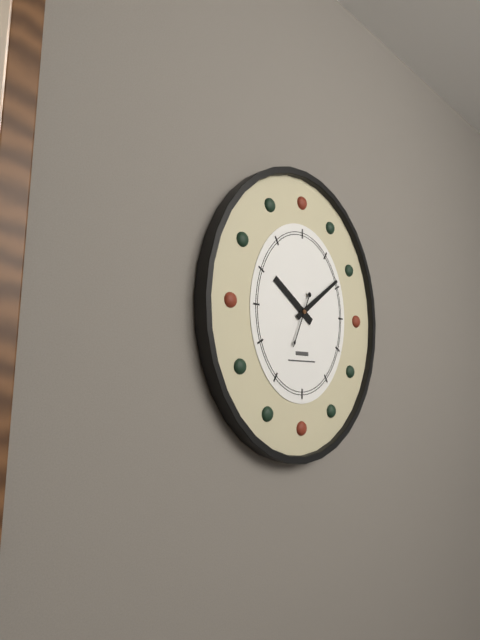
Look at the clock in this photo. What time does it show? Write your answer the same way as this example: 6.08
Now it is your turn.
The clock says 10.09
